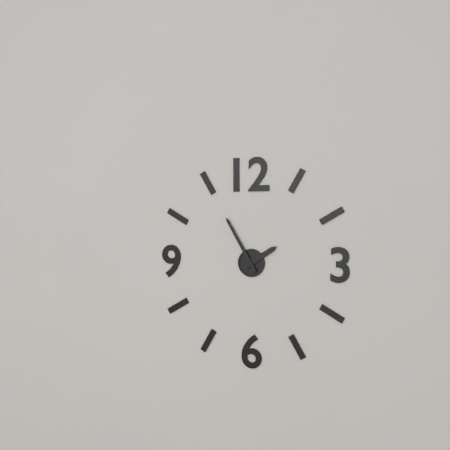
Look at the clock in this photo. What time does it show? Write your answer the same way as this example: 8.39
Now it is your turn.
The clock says 1.55
